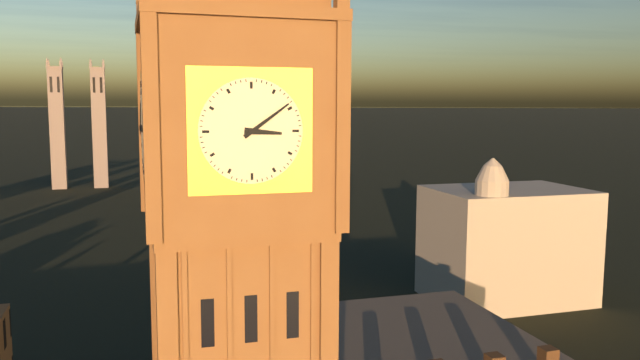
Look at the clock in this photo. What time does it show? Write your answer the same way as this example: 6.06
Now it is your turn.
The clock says 3.09
